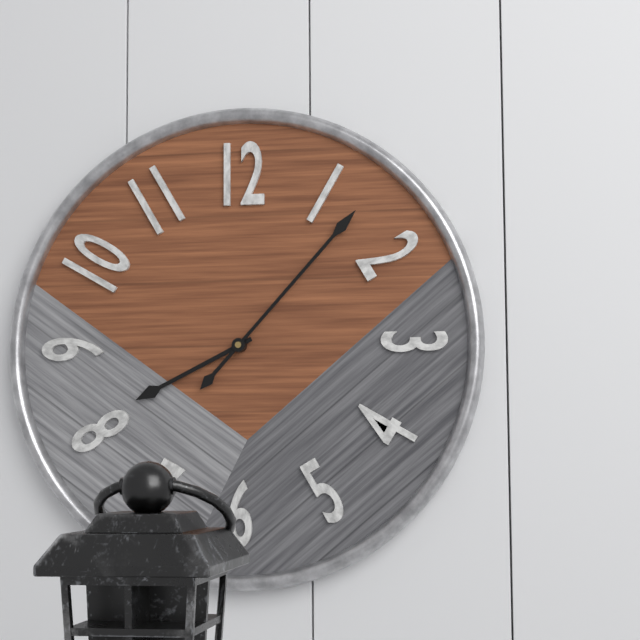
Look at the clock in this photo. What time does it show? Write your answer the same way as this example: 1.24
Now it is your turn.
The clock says 8.07
